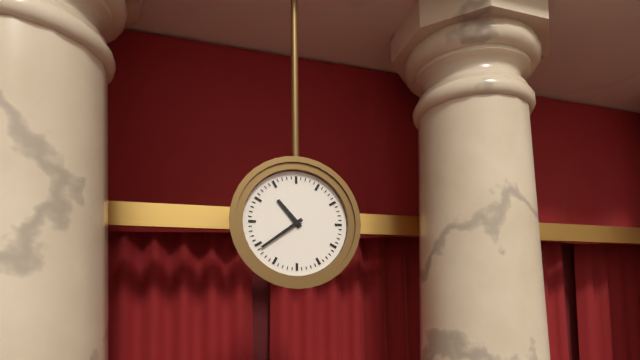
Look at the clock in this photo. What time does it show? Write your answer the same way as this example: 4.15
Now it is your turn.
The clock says 10.39
